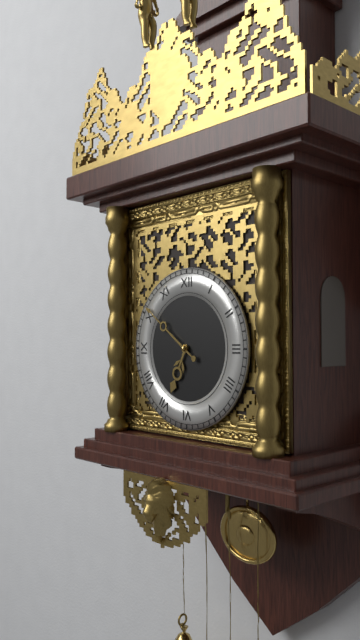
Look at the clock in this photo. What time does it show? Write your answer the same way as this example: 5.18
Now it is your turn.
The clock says 6.51
